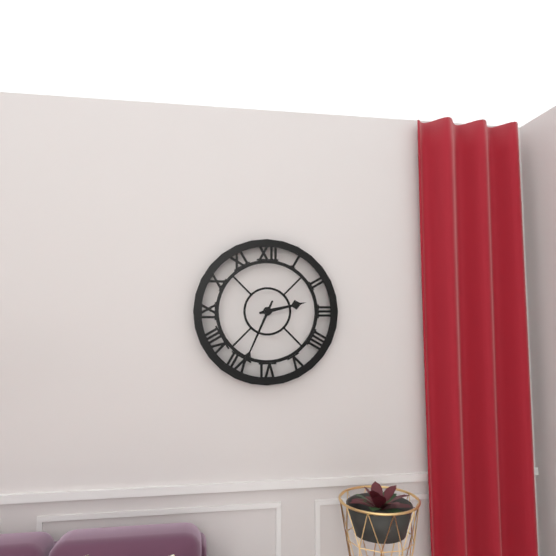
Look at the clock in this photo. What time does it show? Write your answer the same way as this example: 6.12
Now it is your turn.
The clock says 2.34
